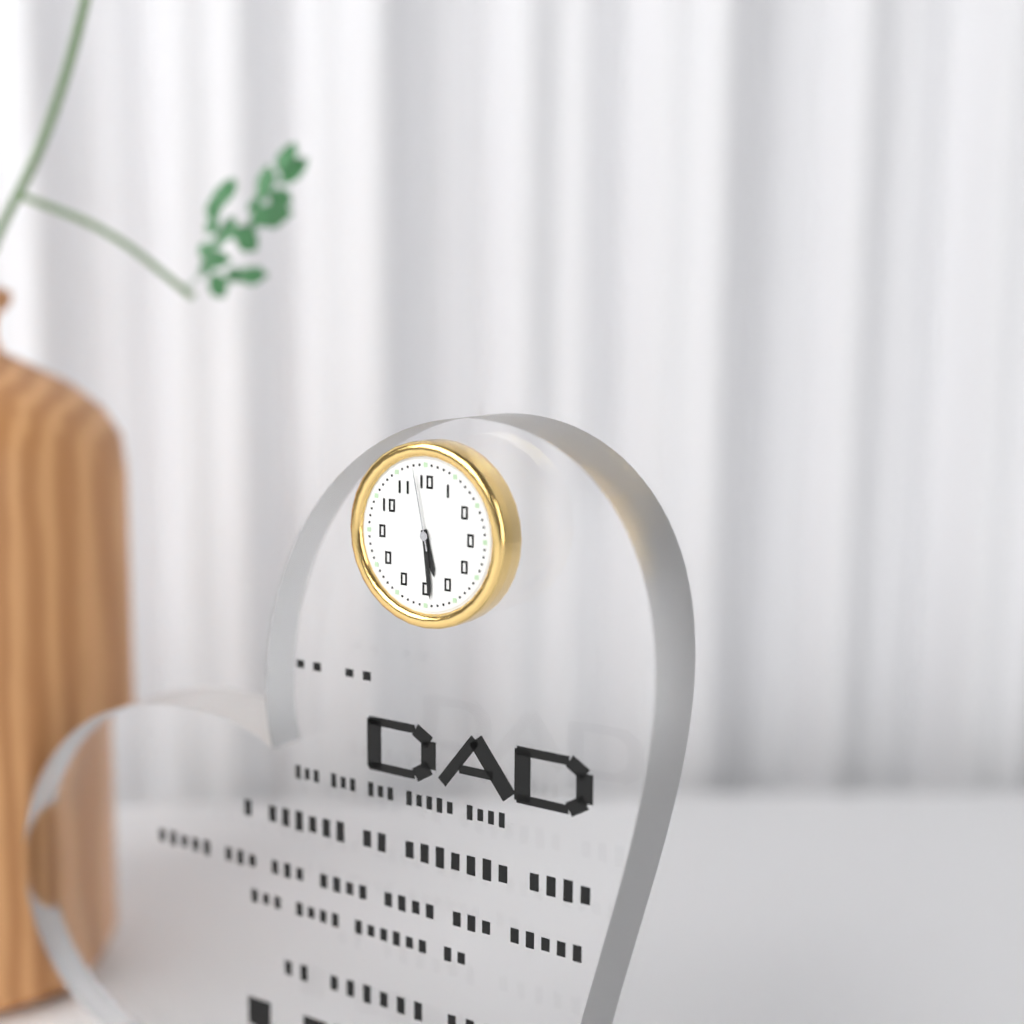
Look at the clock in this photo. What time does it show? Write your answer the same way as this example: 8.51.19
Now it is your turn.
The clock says 5.29.58
